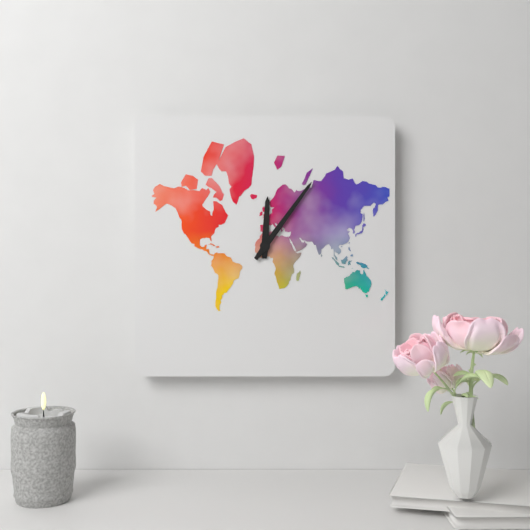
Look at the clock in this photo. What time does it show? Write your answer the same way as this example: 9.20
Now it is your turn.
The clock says 12.06
